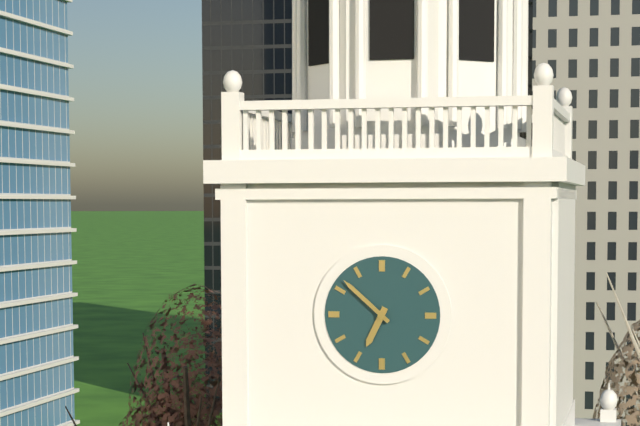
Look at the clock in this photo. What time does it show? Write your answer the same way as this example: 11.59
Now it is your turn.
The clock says 6.52
